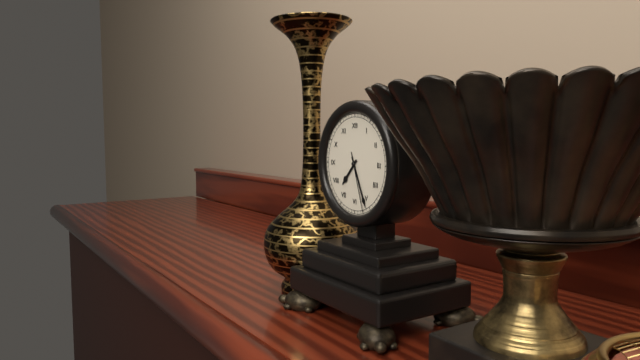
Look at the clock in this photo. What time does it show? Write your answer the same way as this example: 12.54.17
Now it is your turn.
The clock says 7.26.27
